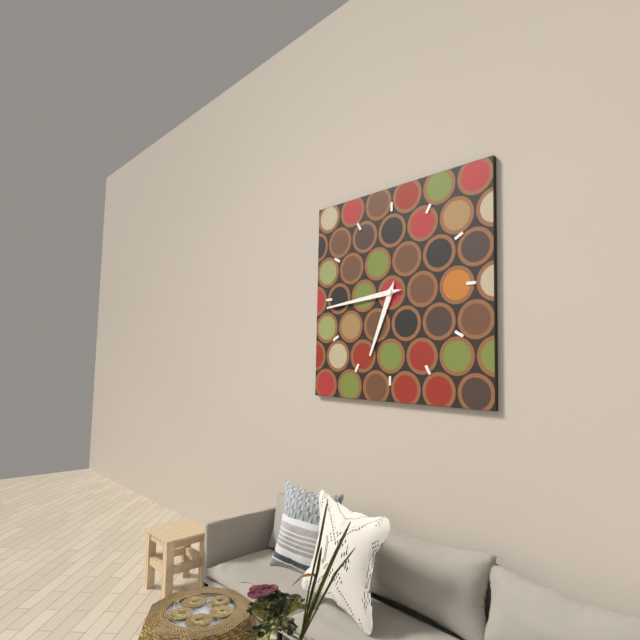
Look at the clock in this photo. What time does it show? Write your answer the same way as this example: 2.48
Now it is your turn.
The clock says 6.44
